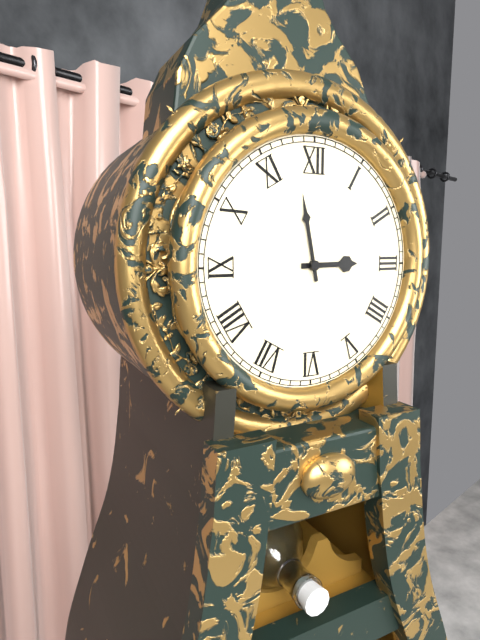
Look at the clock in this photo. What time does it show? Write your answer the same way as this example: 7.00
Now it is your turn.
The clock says 2.58
